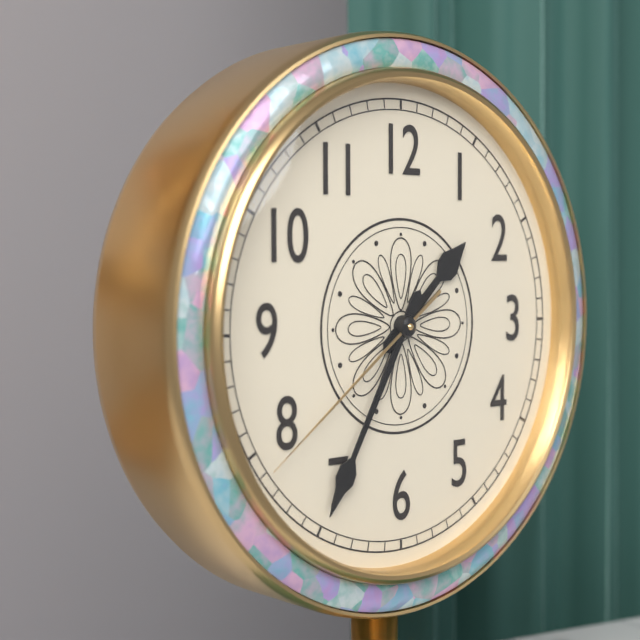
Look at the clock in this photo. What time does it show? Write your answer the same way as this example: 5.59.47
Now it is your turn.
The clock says 1.35.39
